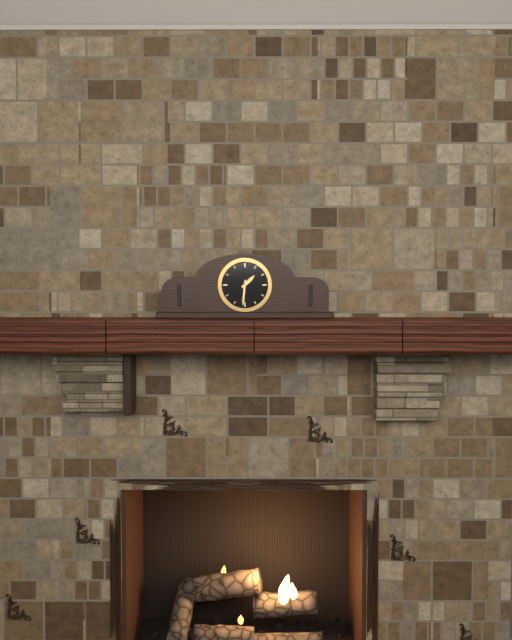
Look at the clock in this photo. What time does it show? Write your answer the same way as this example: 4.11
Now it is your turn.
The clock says 1.31
